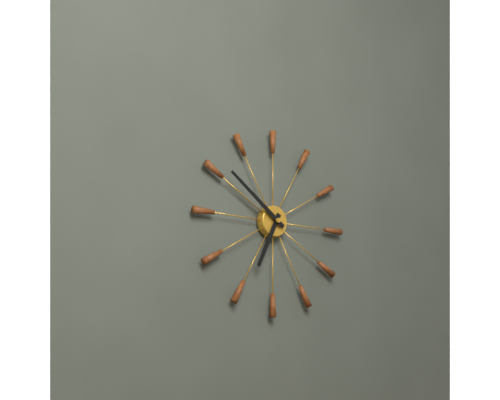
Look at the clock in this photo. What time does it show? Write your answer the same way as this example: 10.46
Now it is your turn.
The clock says 6.51
